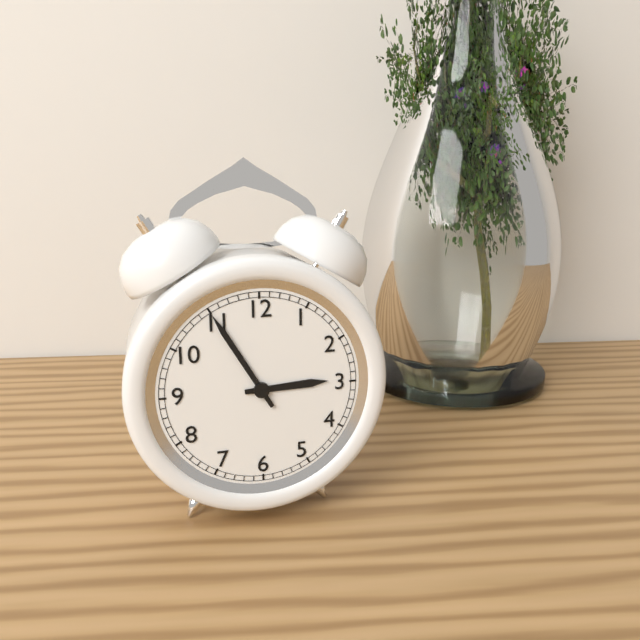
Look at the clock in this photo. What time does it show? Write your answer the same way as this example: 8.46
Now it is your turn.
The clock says 2.55
